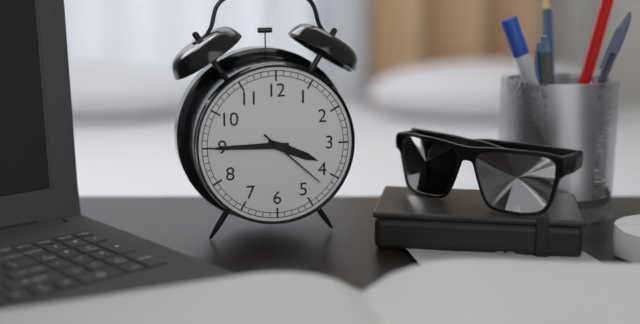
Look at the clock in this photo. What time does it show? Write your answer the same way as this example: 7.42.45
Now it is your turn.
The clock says 3.45.22
